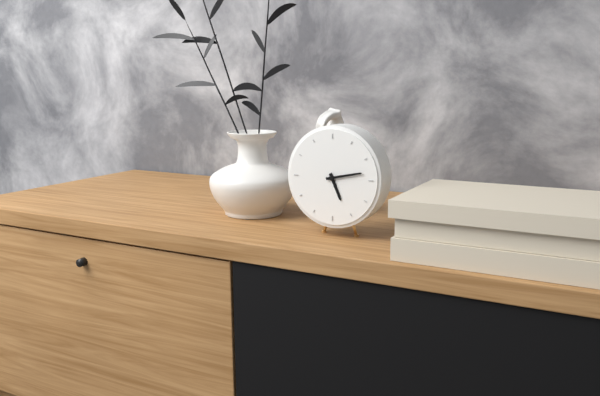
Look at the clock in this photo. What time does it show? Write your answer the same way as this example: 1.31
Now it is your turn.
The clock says 5.13
